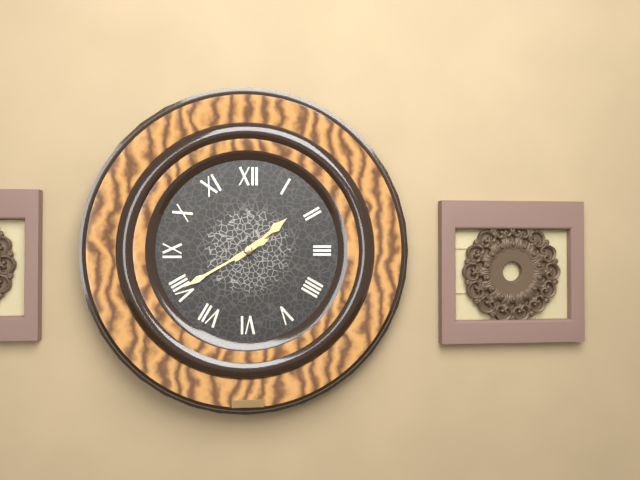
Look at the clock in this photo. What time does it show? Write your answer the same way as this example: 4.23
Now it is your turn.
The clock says 1.40
